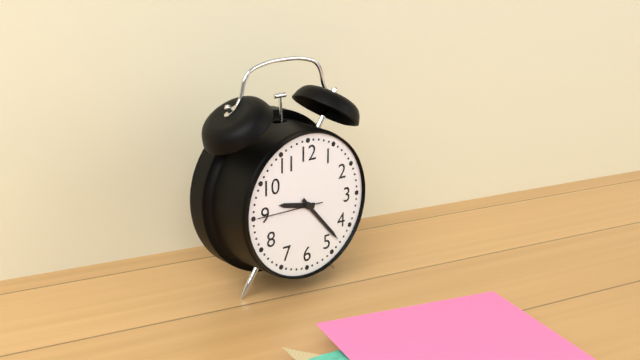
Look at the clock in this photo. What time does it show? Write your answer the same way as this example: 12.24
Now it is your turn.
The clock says 9.23
